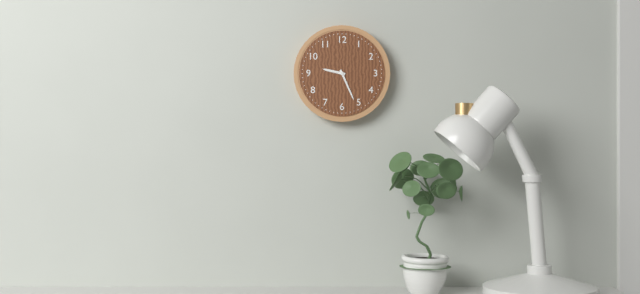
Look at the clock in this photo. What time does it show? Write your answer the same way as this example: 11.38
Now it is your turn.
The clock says 9.26
